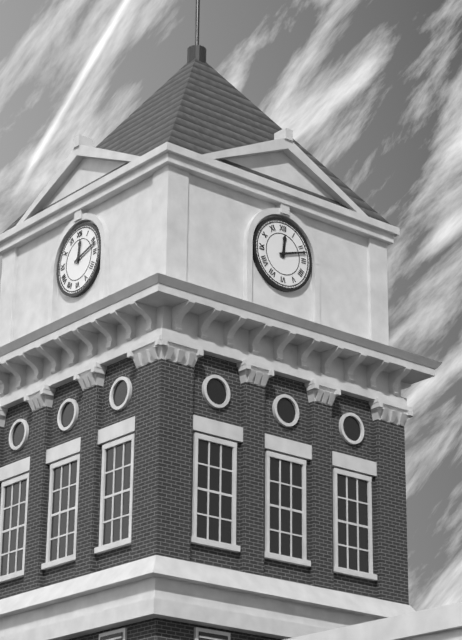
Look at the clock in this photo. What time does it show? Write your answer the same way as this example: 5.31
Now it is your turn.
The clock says 12.12
